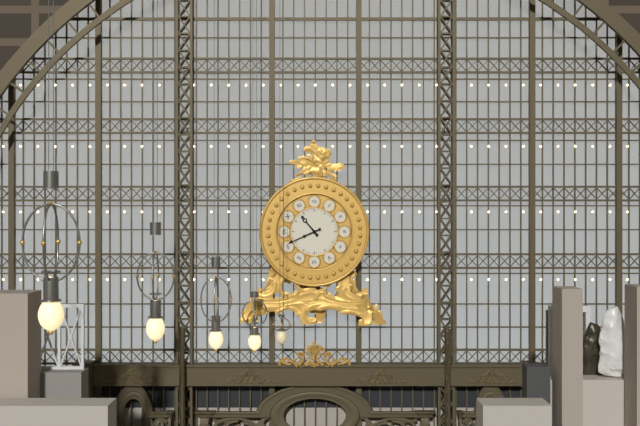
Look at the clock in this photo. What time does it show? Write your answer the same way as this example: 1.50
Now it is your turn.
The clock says 10.41
